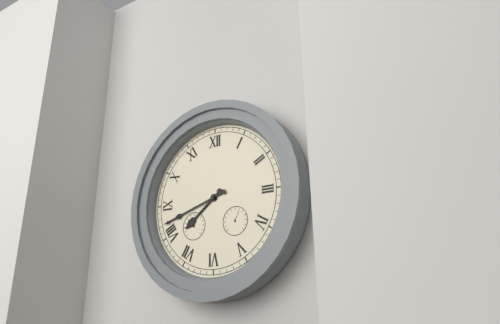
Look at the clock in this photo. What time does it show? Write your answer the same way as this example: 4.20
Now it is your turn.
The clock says 7.42
